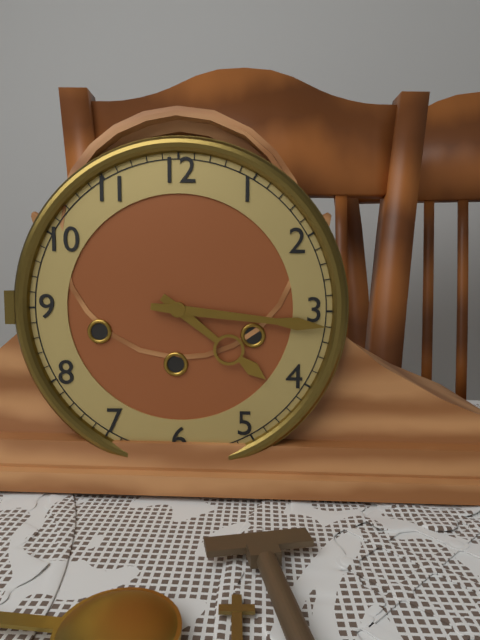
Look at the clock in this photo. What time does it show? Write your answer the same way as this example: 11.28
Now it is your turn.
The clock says 4.16
